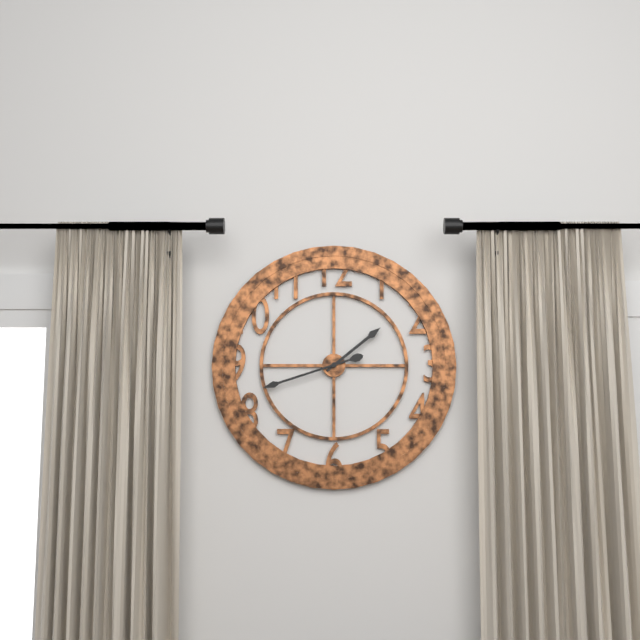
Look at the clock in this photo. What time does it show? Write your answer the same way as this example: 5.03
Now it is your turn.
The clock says 1.42
